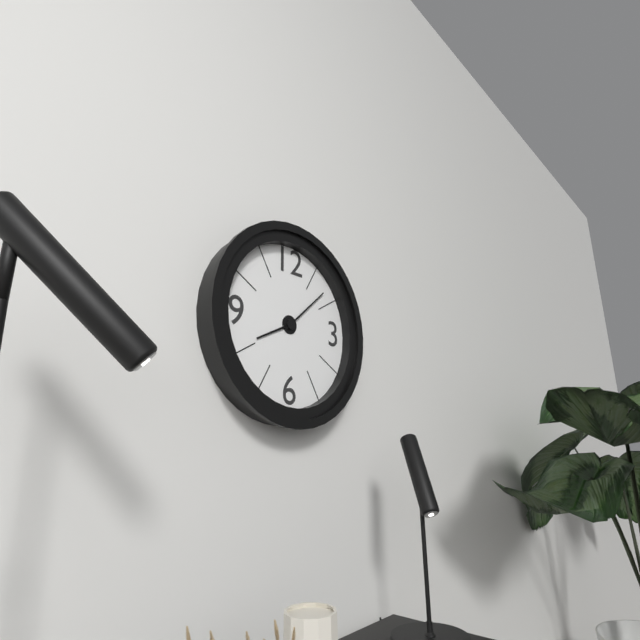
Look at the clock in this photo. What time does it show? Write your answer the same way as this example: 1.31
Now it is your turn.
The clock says 8.08
